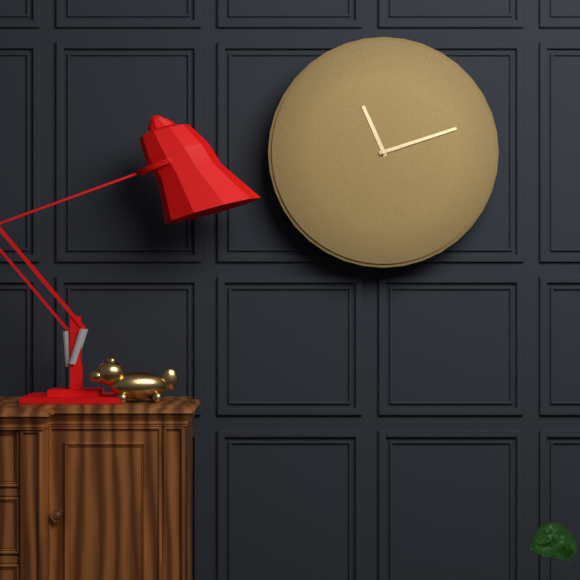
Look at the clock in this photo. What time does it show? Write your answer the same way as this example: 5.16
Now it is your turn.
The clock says 11.12
